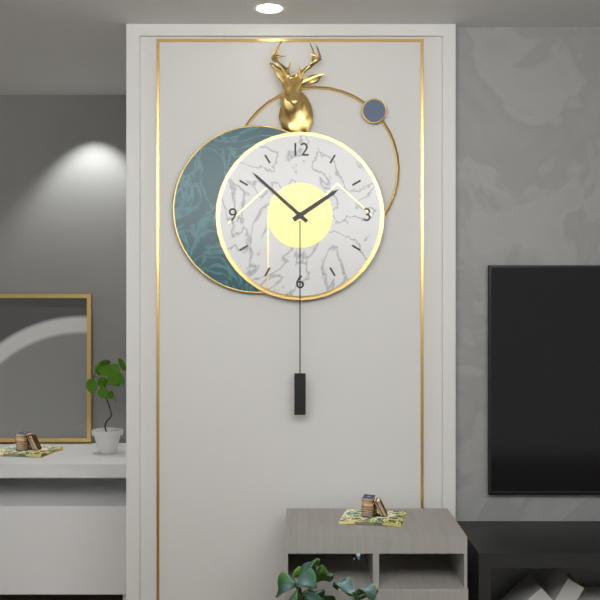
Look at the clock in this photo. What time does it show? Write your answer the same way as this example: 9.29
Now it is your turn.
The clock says 1.52
